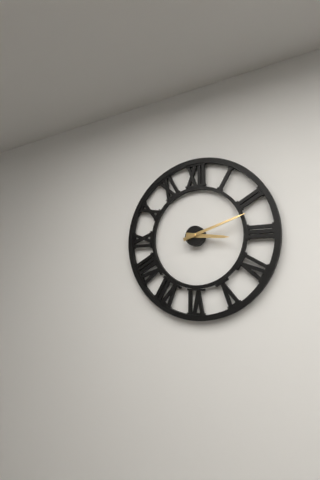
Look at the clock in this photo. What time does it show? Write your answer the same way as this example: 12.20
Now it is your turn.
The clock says 3.12
